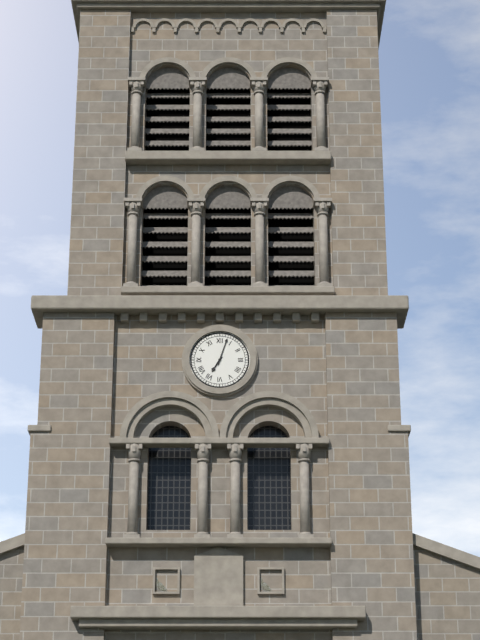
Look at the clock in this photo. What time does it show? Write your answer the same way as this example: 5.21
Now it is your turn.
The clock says 7.03
